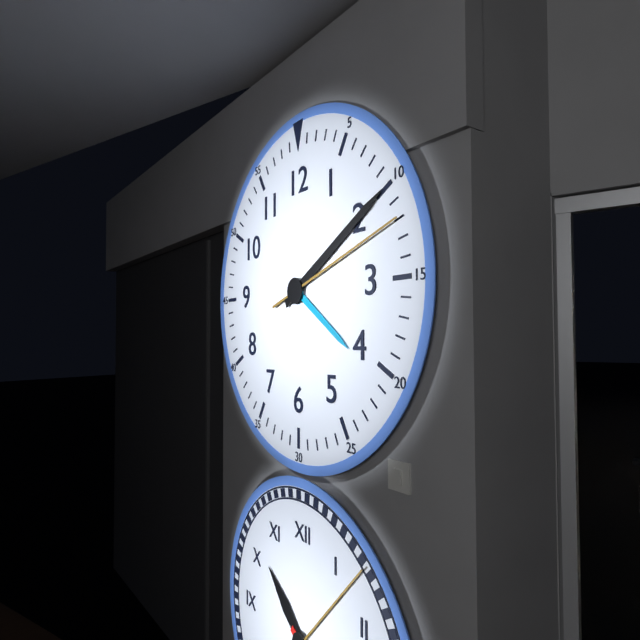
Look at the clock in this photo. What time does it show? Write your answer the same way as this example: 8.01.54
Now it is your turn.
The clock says 4.10.12
